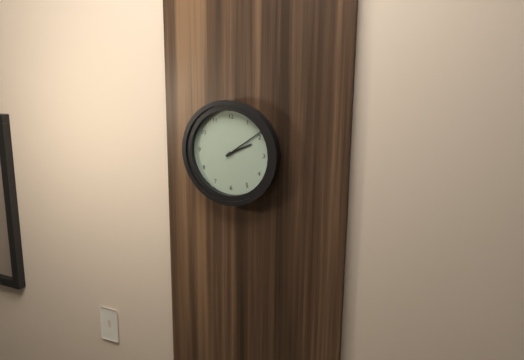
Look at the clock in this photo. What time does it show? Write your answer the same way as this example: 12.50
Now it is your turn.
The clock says 2.09
